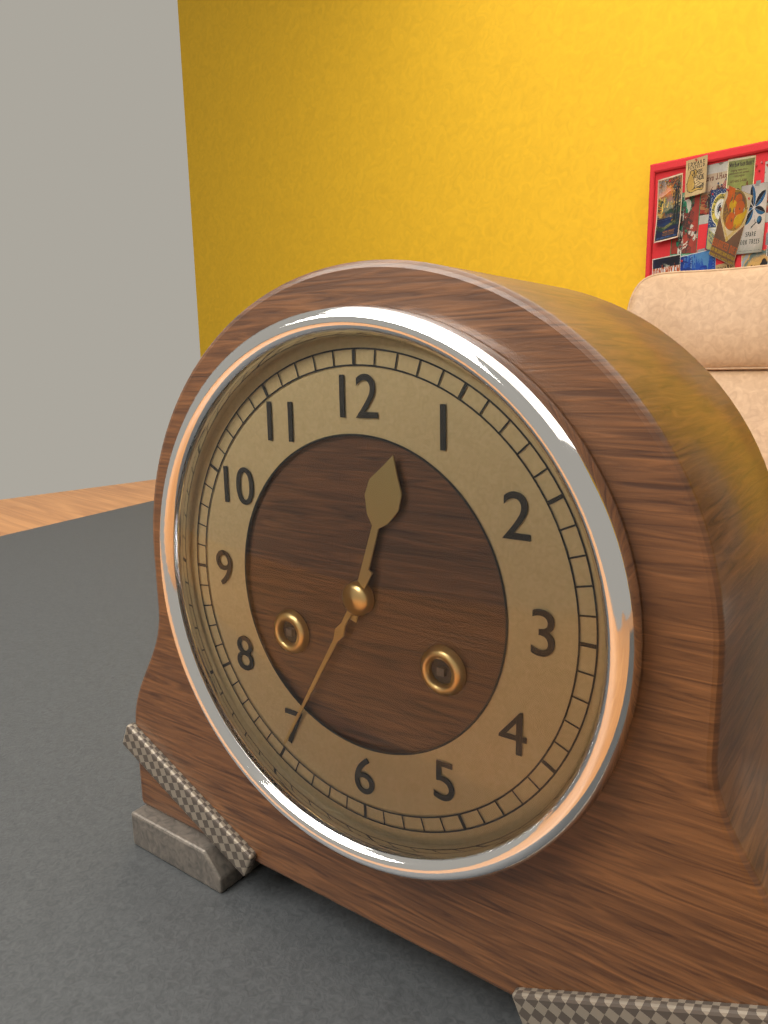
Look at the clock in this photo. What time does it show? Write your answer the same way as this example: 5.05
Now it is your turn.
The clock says 12.35
